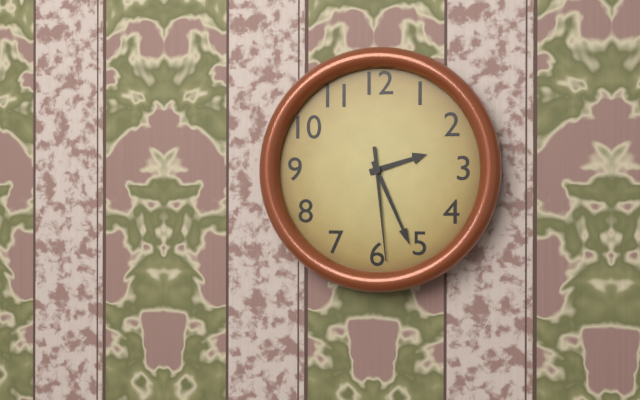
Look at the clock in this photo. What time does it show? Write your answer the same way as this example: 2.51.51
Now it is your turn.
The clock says 2.26.29
